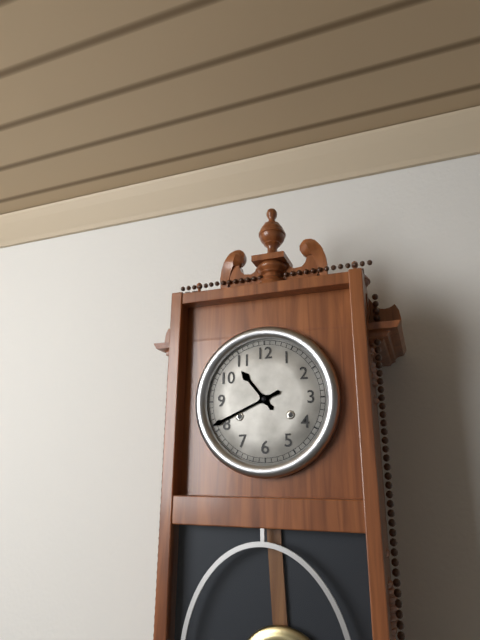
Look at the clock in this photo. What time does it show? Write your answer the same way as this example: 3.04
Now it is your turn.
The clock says 10.41
